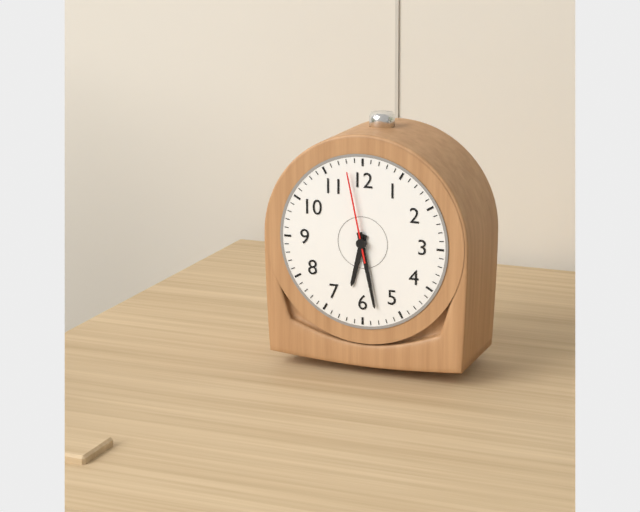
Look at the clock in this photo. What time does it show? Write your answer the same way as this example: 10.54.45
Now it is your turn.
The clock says 6.28.58
